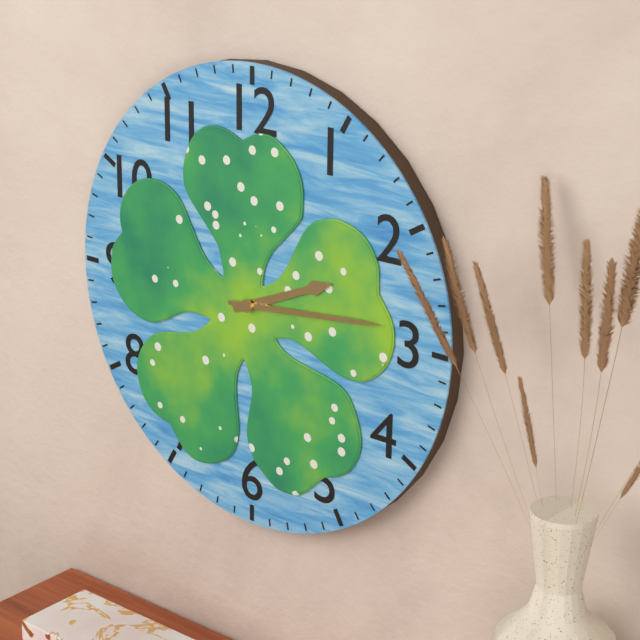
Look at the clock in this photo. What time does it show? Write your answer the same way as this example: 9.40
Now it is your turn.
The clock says 2.14
